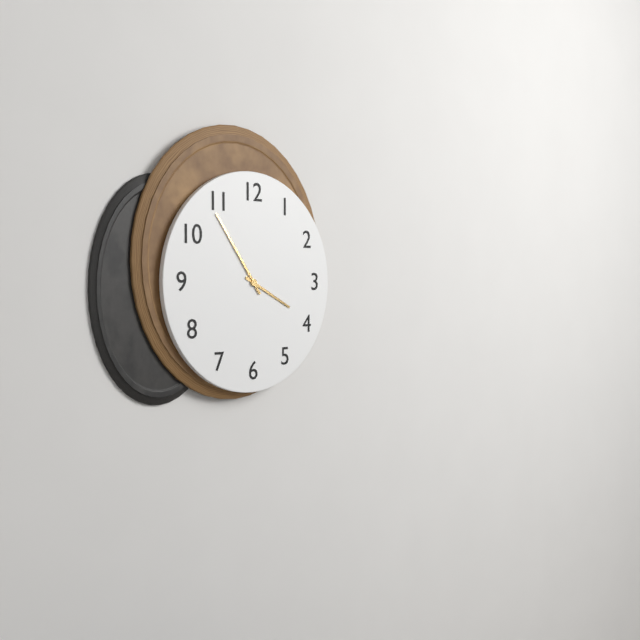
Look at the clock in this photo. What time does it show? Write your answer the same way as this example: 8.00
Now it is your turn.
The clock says 3.54
